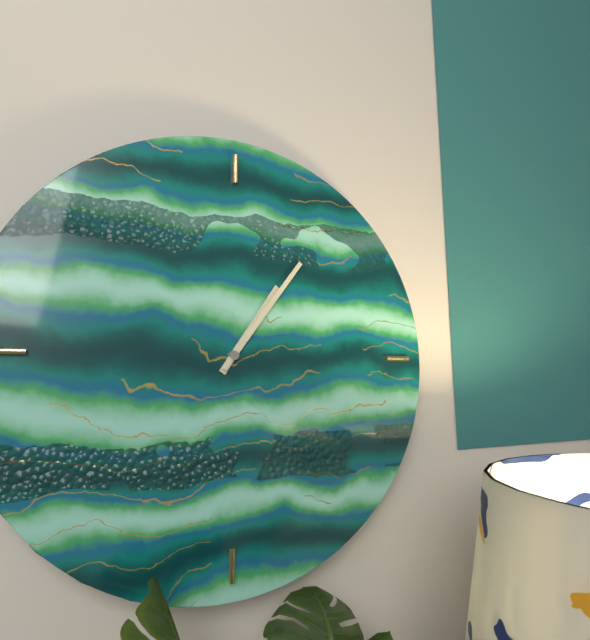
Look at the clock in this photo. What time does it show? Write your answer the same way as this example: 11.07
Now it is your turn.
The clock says 1.06
